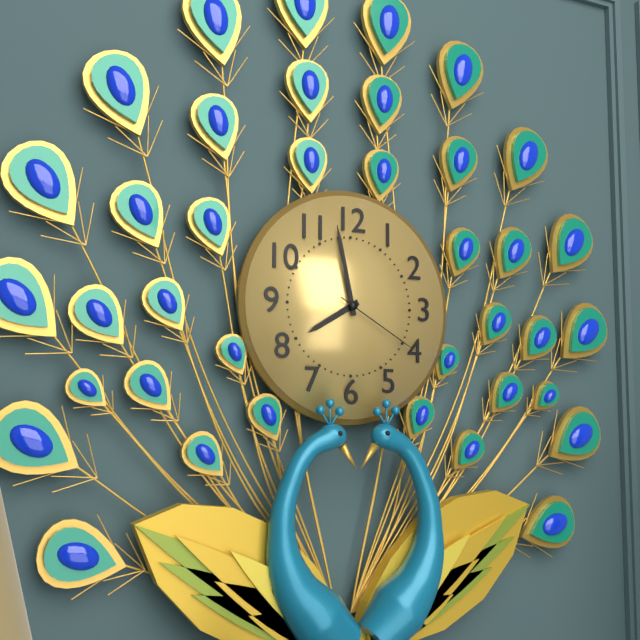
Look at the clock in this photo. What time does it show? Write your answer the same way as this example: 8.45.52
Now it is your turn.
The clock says 7.58.20
